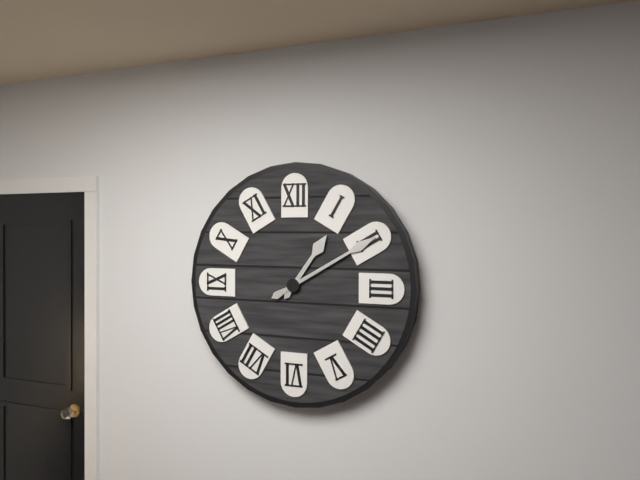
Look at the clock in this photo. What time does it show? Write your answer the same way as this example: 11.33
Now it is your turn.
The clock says 1.10
